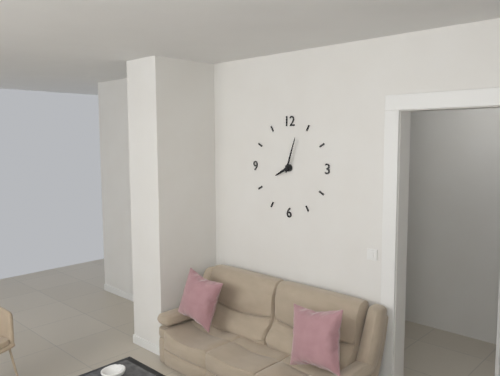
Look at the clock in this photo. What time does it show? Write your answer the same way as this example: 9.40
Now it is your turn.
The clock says 8.03
